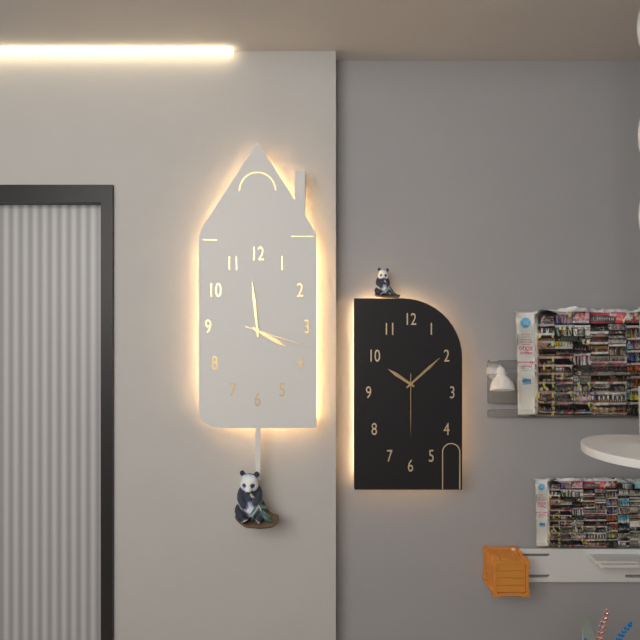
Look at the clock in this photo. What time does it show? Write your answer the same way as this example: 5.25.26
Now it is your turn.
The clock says 3.59.18
